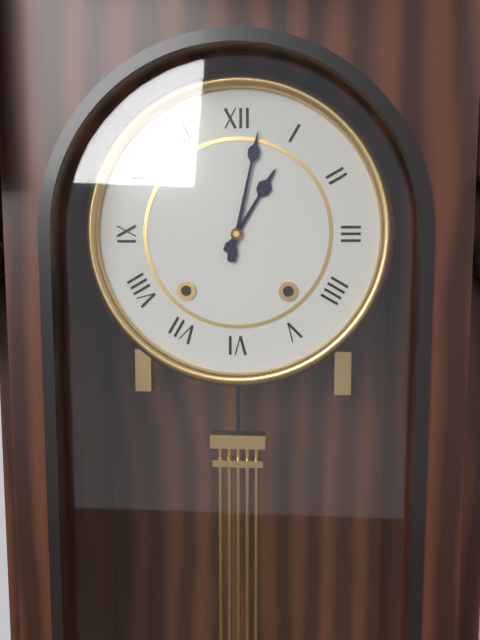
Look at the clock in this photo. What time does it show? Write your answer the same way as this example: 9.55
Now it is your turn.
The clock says 1.02
